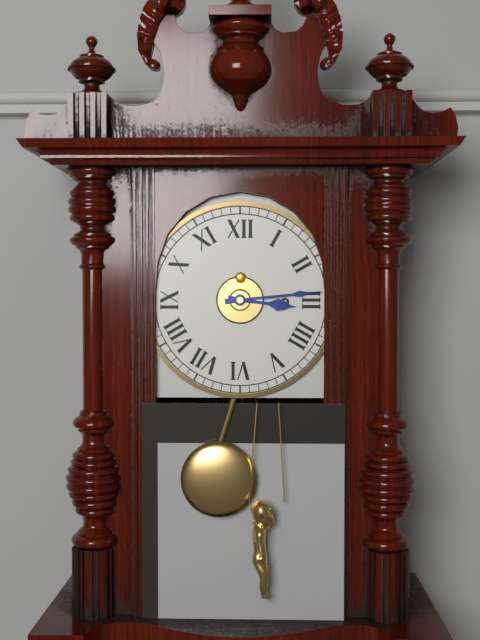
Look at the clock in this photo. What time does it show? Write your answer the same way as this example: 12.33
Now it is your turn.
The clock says 3.14
